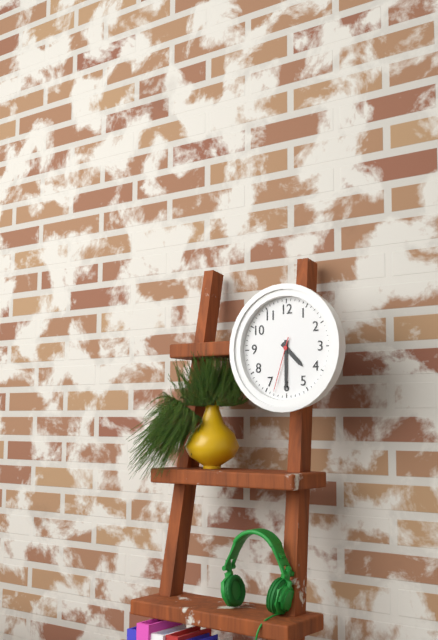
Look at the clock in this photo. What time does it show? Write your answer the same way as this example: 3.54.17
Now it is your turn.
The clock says 4.30.33
